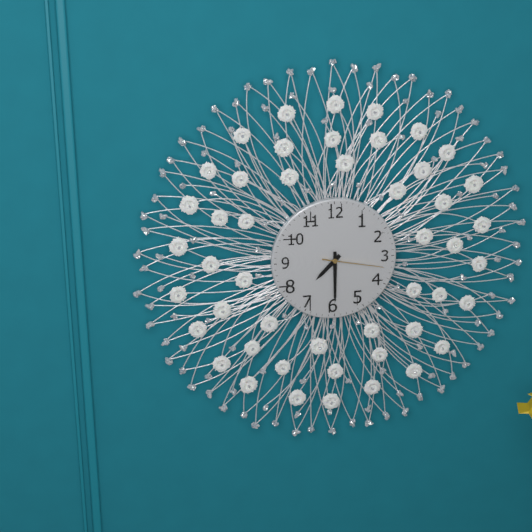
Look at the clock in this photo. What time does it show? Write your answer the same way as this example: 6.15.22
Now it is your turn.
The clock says 7.30.17
